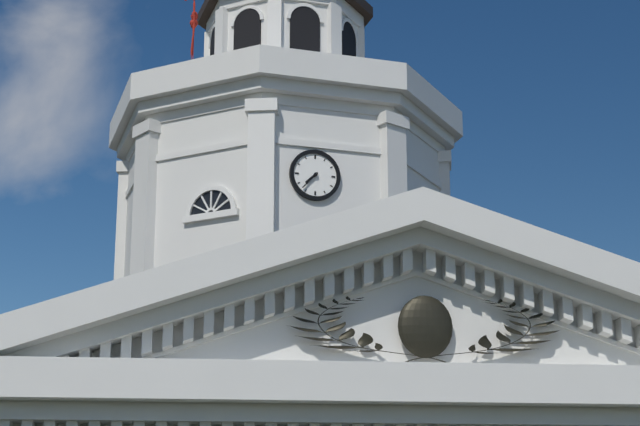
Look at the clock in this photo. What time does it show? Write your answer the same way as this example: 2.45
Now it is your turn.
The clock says 7.37
